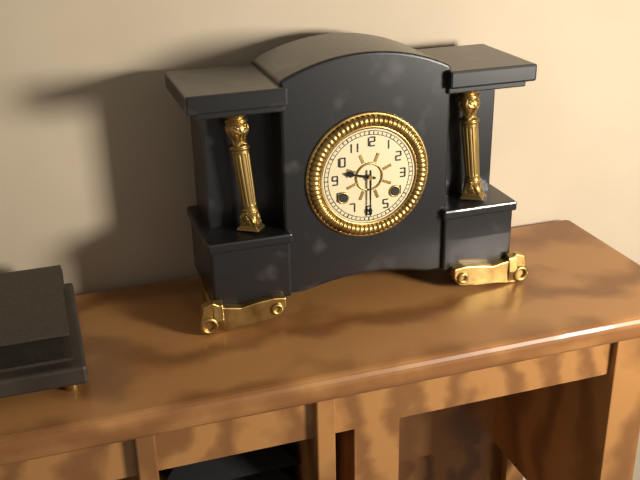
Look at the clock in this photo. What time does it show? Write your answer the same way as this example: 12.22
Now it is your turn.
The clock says 9.30
